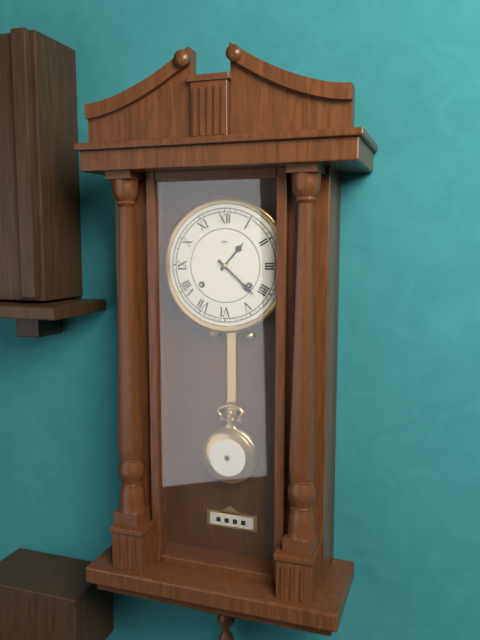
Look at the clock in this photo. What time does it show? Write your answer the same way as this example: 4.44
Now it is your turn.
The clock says 1.22
